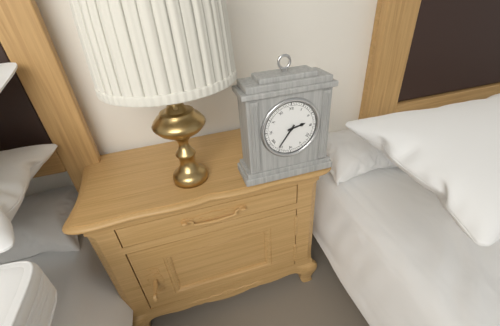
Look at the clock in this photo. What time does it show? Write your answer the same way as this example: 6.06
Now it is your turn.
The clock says 2.36
